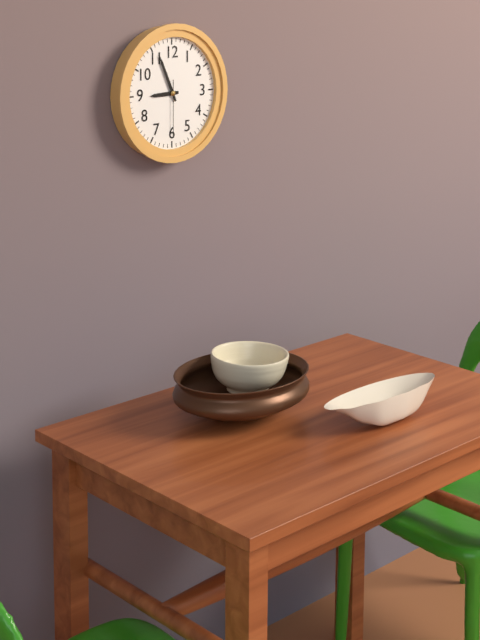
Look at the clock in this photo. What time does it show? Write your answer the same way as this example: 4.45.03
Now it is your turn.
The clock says 8.56.30
